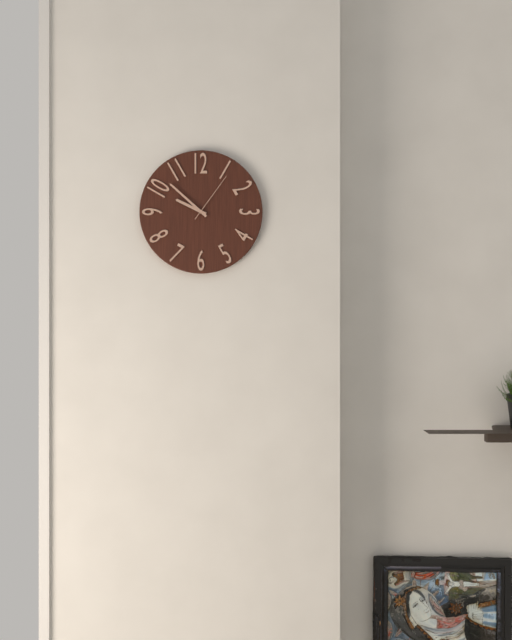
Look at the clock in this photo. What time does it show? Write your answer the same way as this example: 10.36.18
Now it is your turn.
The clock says 9.52.06
